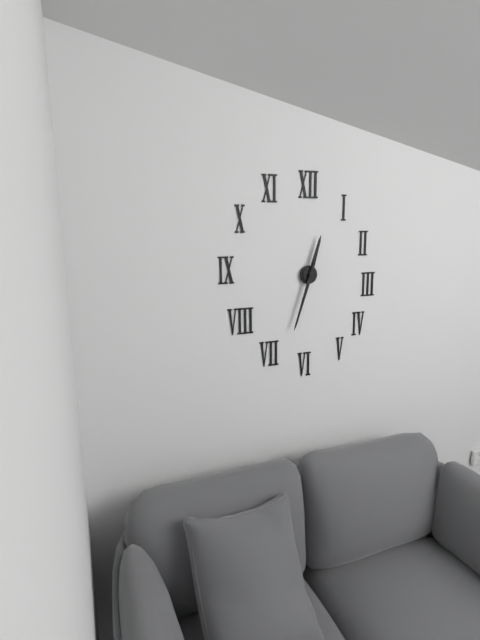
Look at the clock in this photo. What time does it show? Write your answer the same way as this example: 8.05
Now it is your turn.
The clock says 12.33
